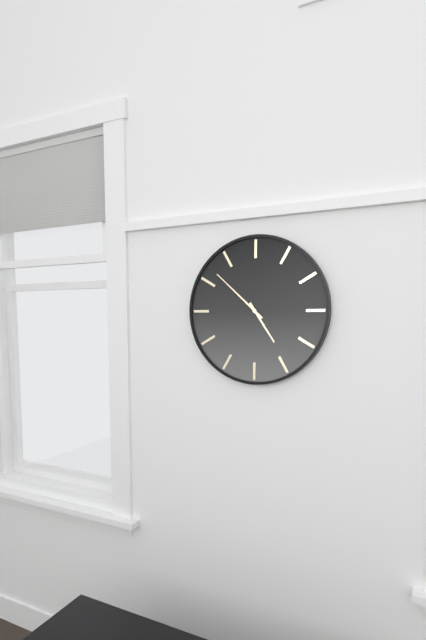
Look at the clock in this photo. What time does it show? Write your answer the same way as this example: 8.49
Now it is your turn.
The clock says 4.52
